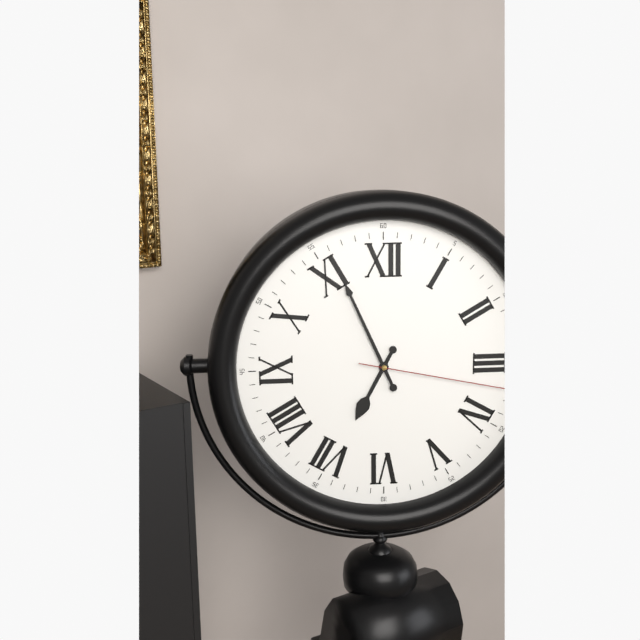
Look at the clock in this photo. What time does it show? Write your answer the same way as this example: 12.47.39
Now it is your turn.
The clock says 6.56.17
